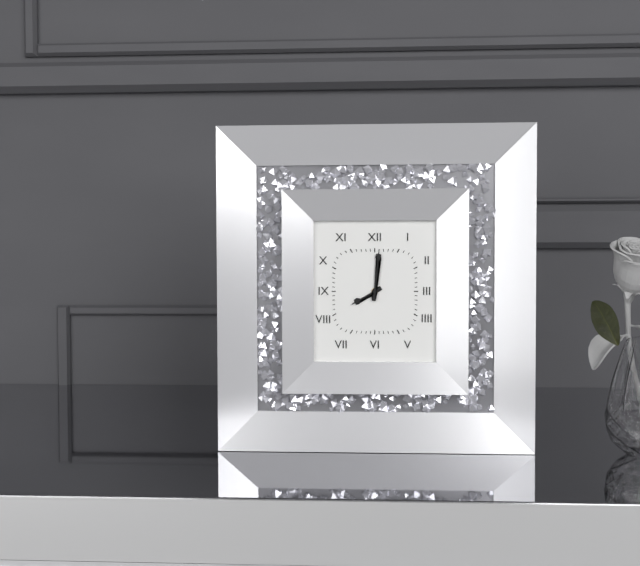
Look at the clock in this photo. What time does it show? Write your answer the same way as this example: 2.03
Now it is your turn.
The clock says 8.01
